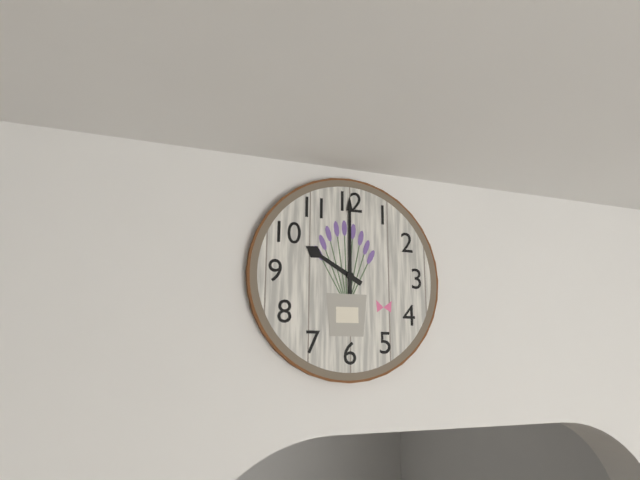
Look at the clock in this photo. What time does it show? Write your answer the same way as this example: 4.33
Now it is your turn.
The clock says 10.00
